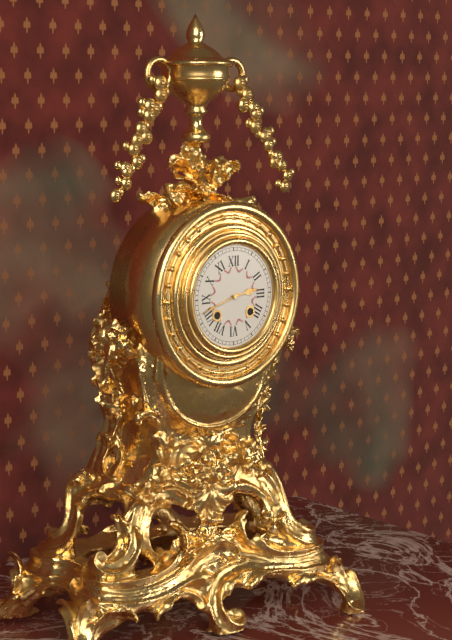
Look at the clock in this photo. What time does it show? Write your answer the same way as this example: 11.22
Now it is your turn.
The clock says 2.42
